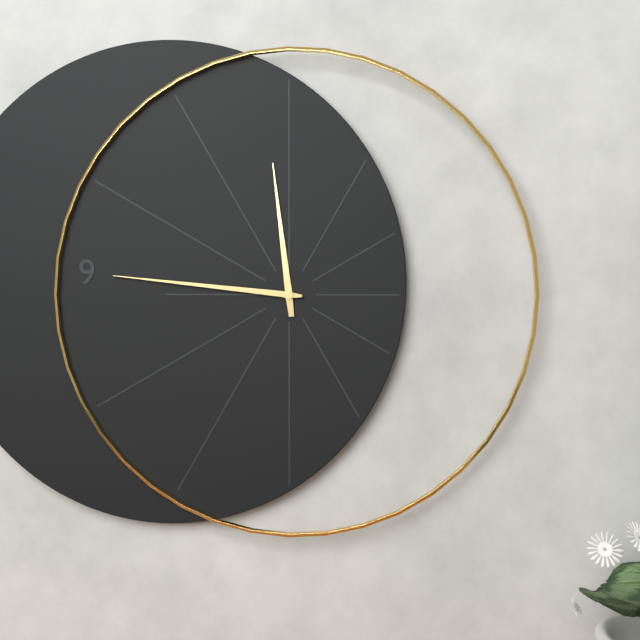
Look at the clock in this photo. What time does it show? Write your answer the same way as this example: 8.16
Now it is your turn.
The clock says 11.46
